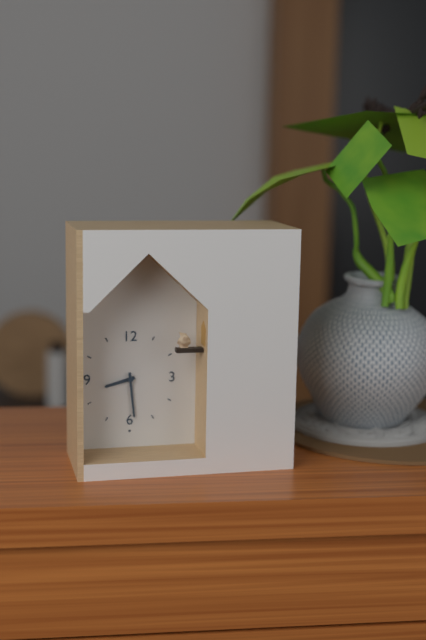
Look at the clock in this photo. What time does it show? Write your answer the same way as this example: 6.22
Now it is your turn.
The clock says 8.29
